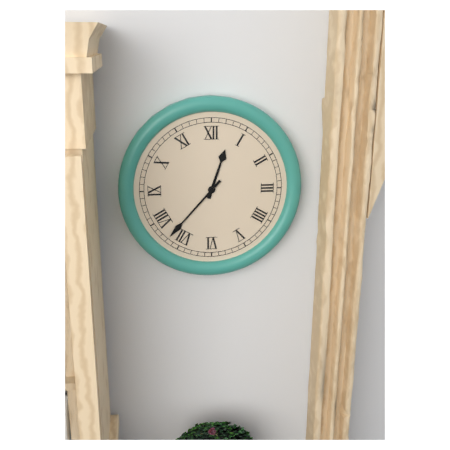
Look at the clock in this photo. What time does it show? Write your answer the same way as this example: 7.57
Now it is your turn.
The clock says 12.37
